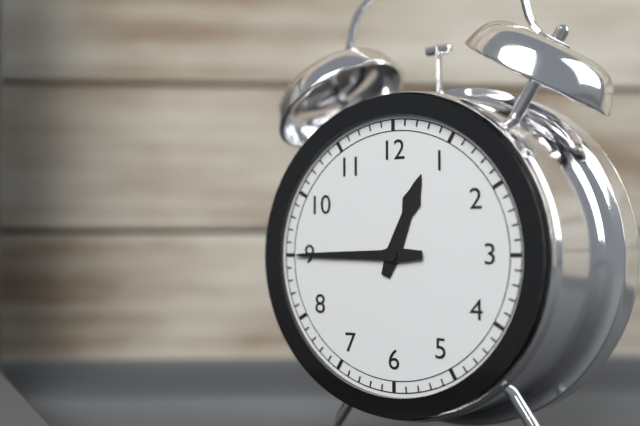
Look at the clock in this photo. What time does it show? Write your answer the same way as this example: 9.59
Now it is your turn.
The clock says 12.45
